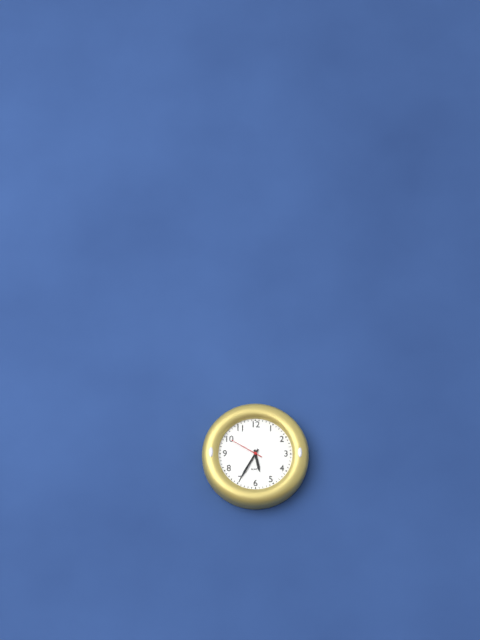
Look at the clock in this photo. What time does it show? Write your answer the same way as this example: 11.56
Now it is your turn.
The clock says 5.35
